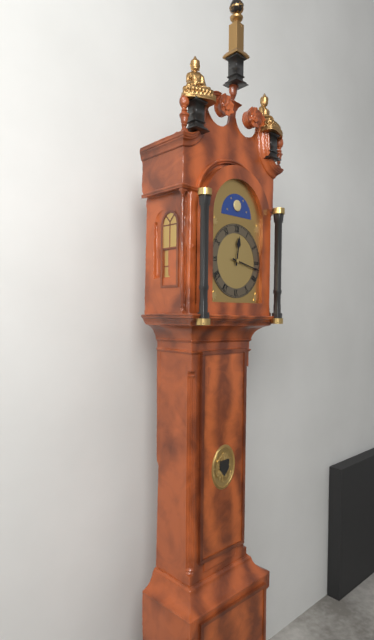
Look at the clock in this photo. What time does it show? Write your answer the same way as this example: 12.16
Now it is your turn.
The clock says 12.17
